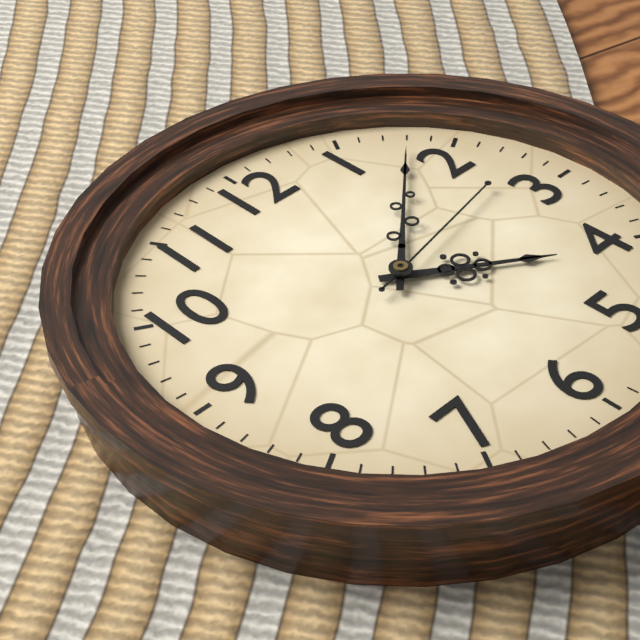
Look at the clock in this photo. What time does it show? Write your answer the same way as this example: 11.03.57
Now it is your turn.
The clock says 4.08.13
